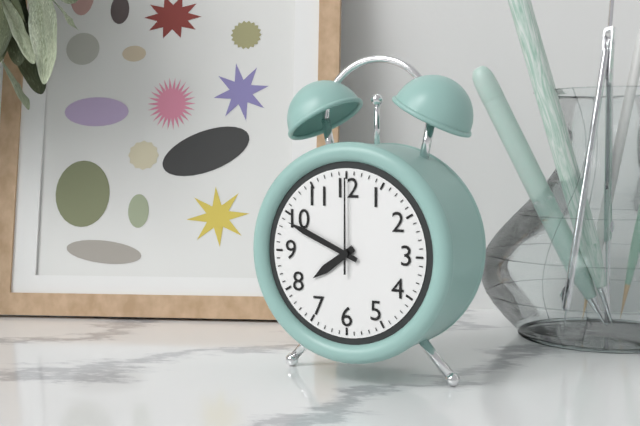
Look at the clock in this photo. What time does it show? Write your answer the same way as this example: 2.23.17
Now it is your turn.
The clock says 7.49.00
